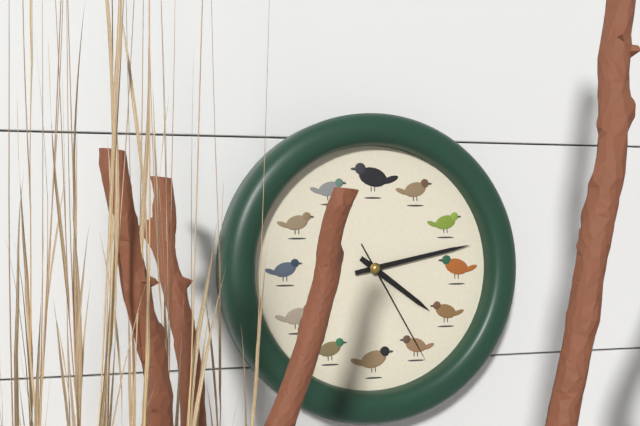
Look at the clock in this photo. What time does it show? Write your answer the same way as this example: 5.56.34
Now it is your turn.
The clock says 4.13.25
